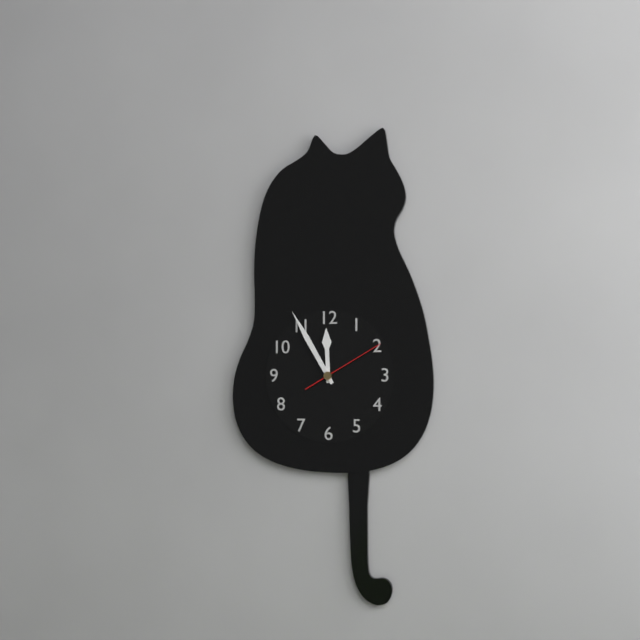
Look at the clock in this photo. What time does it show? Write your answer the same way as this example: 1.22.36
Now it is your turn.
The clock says 11.55.10
